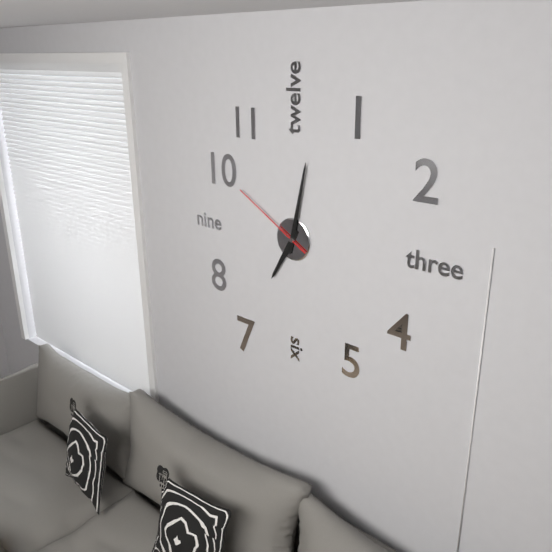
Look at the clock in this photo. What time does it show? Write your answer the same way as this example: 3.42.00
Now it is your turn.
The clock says 7.02.50
